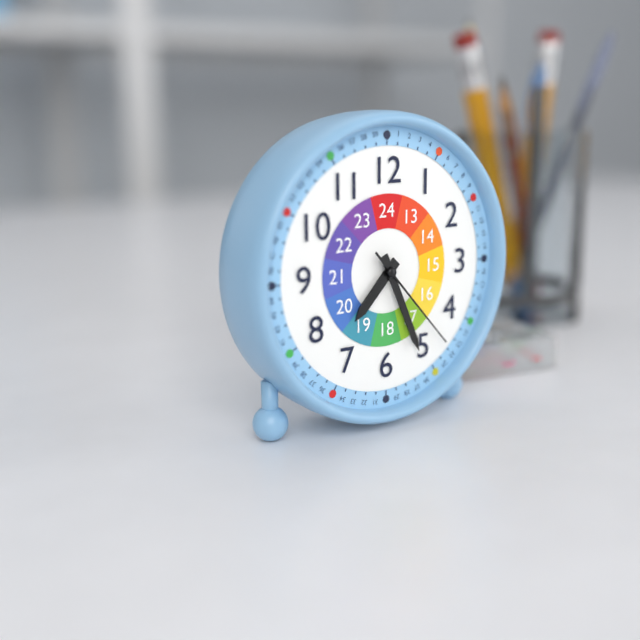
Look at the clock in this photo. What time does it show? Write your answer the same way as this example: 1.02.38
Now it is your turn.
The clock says 7.26.23
